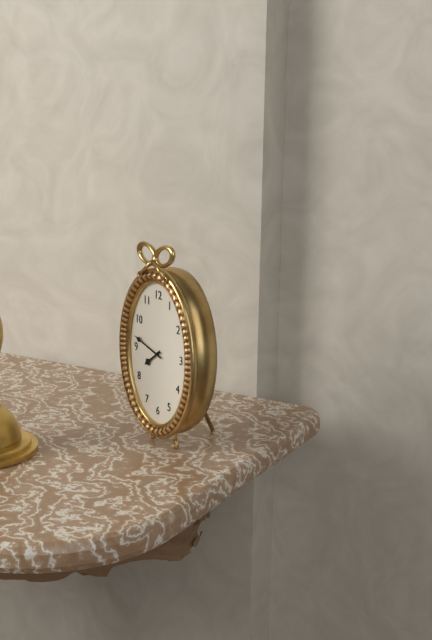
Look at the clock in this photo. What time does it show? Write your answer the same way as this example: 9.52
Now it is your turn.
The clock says 7.48
